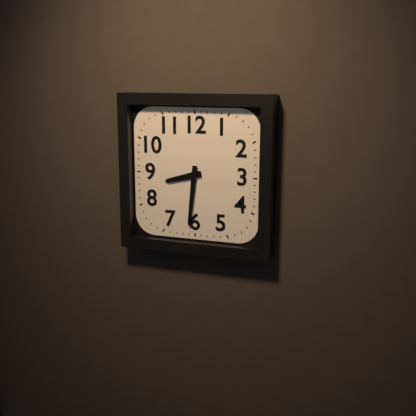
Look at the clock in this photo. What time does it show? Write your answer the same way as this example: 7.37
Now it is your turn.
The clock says 8.31
